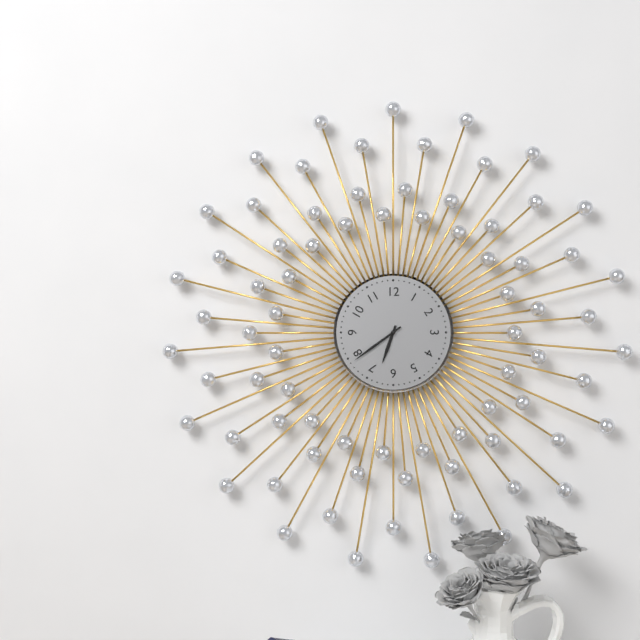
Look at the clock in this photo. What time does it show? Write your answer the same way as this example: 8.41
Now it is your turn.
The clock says 6.39
